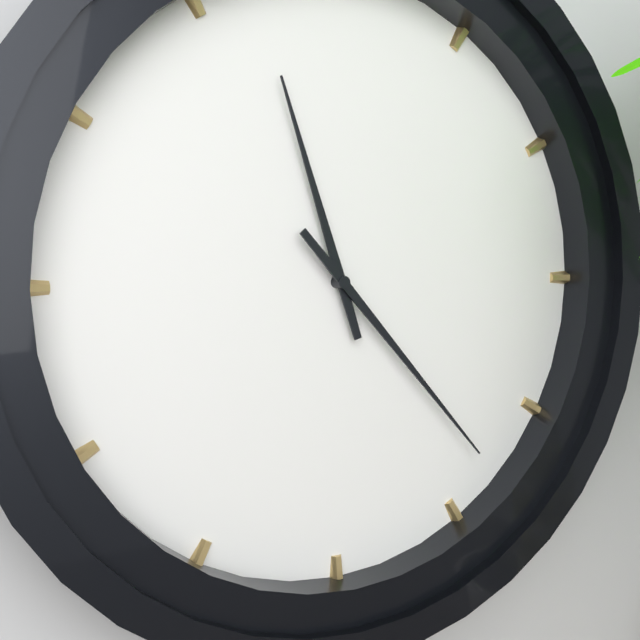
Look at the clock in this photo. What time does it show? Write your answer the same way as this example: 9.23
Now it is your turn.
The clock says 11.23
